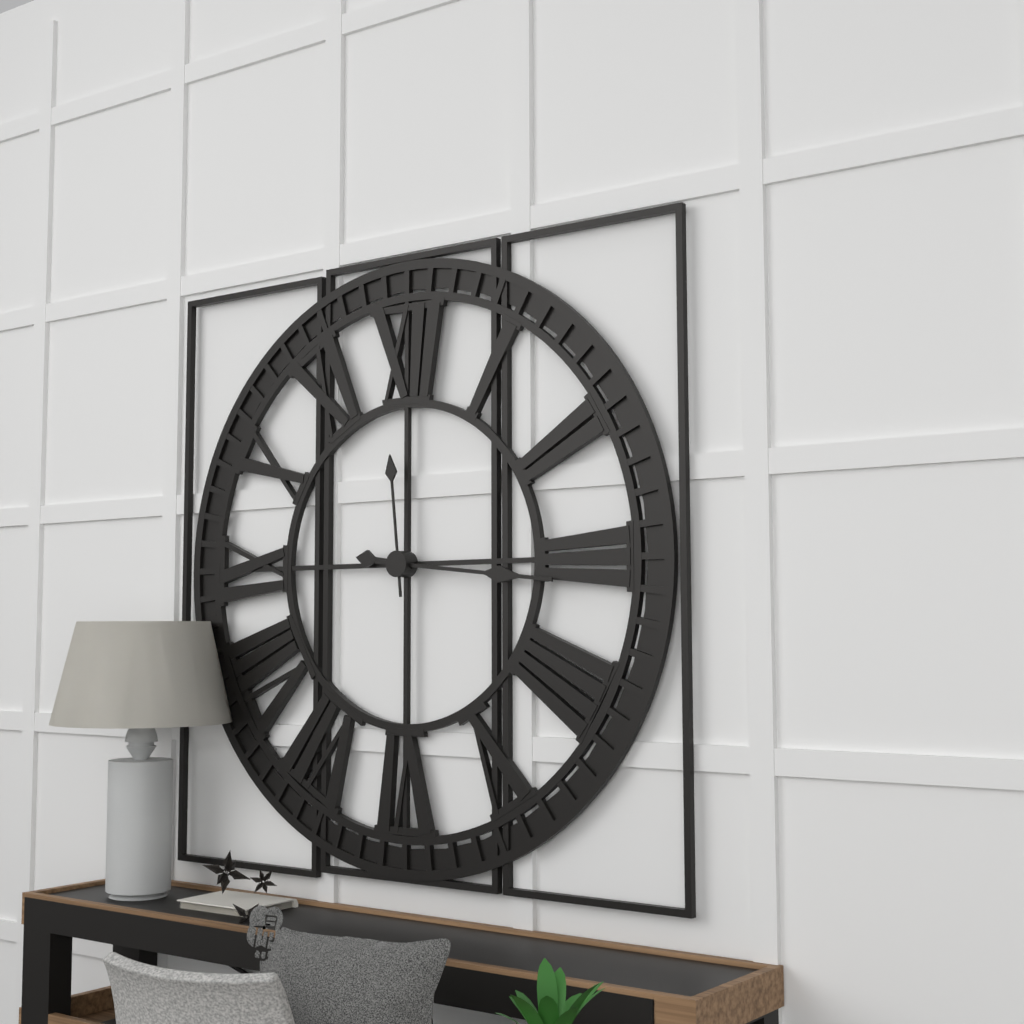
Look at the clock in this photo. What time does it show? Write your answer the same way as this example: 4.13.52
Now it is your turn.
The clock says 9.16.59
